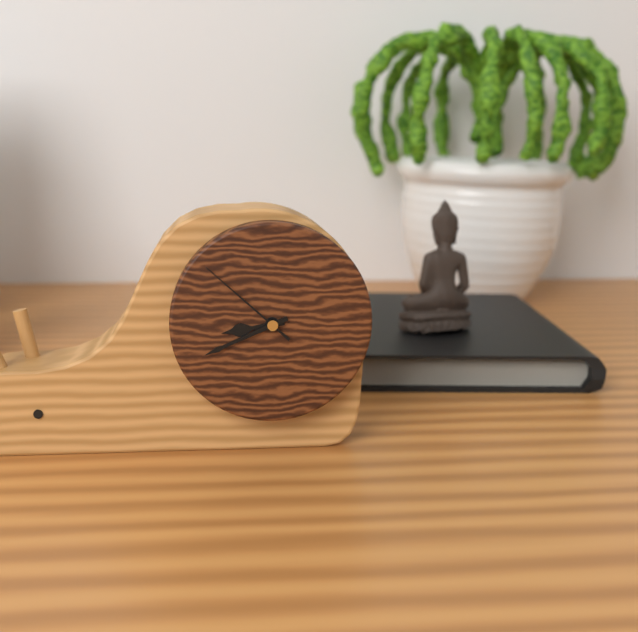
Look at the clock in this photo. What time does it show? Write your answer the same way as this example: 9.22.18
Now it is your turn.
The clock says 8.41.52
